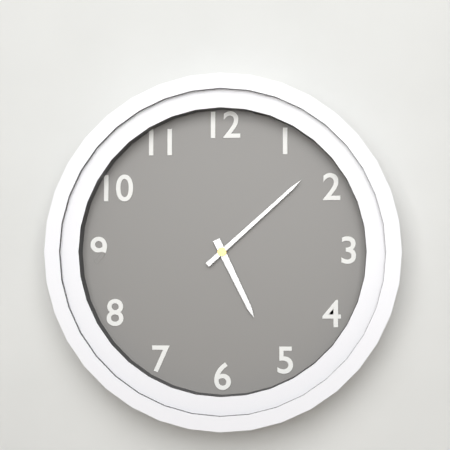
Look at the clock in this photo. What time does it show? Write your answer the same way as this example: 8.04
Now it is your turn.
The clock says 5.08
